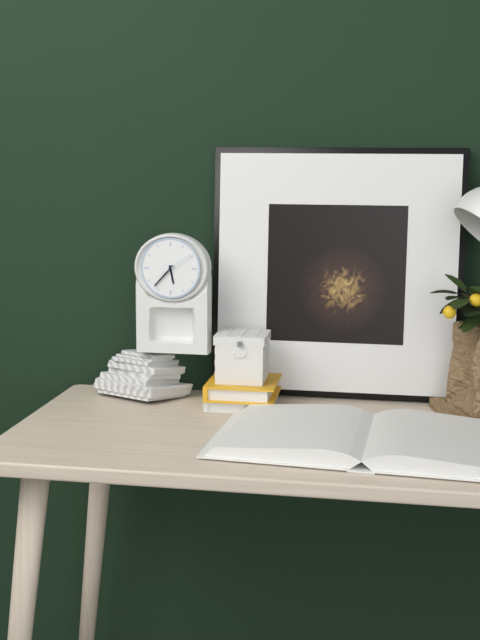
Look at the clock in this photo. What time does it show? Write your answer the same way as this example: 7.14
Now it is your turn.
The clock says 5.37
